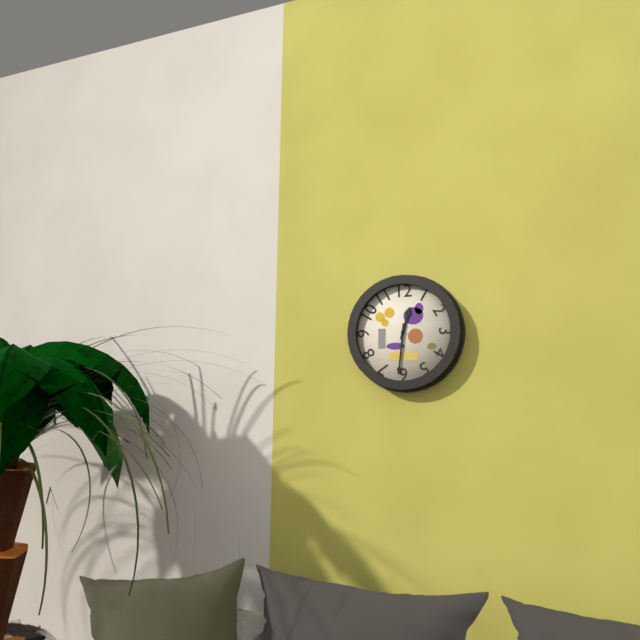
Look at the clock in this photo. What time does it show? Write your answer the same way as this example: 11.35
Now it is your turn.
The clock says 12.31
